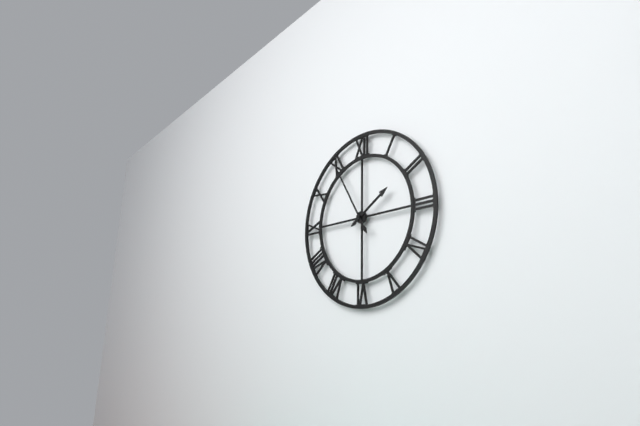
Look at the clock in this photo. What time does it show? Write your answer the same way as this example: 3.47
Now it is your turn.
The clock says 1.55
